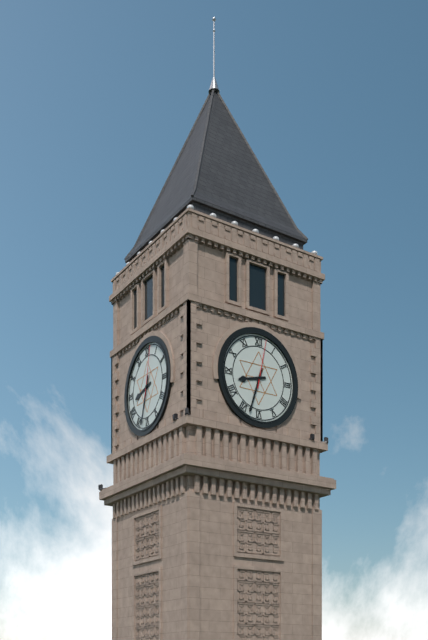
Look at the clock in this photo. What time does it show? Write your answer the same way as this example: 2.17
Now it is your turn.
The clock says 8.33
